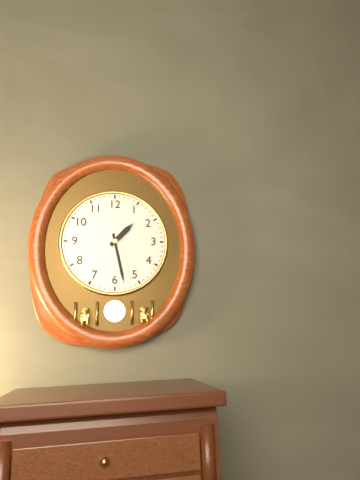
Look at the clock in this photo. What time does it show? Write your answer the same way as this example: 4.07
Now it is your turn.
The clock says 1.28
